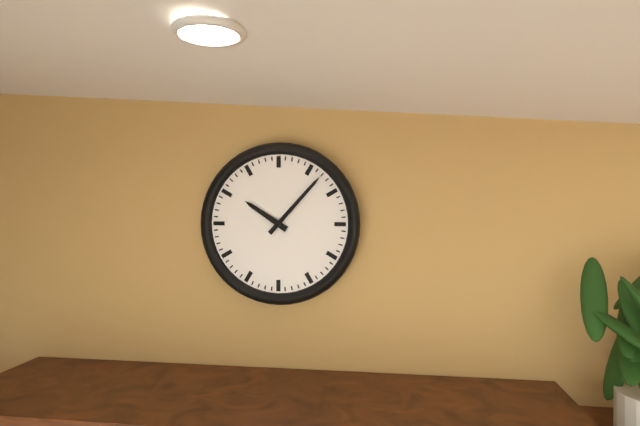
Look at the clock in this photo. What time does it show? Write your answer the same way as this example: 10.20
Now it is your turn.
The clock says 10.07
